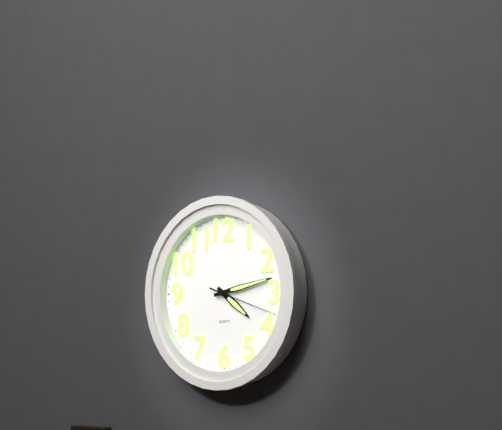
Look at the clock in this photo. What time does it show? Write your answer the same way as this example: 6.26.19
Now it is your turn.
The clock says 4.13.18
